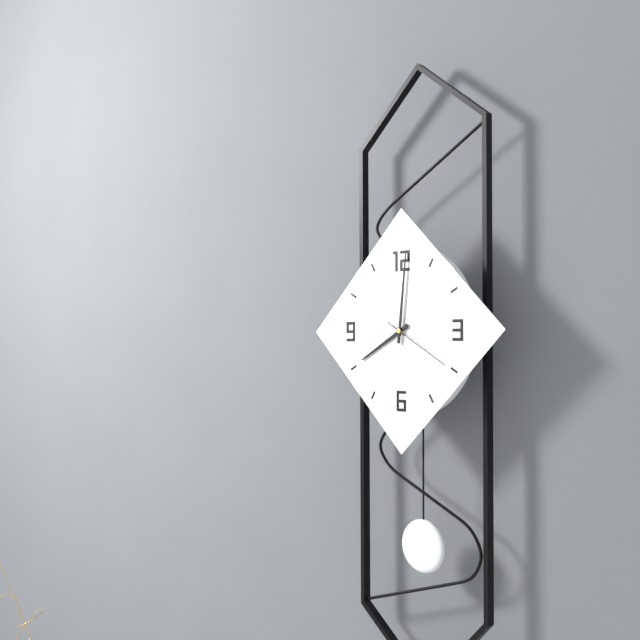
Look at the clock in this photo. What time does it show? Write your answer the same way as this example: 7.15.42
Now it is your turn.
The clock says 8.01.20
